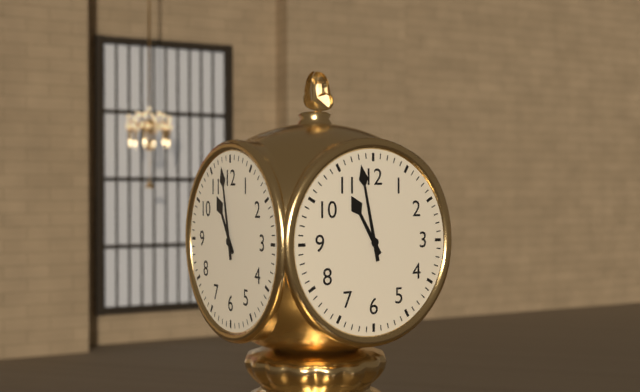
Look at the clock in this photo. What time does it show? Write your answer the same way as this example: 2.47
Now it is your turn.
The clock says 10.58
